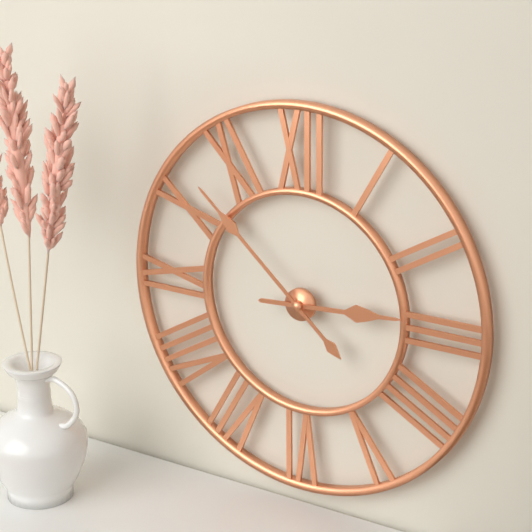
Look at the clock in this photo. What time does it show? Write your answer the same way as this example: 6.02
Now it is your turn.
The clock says 2.52
